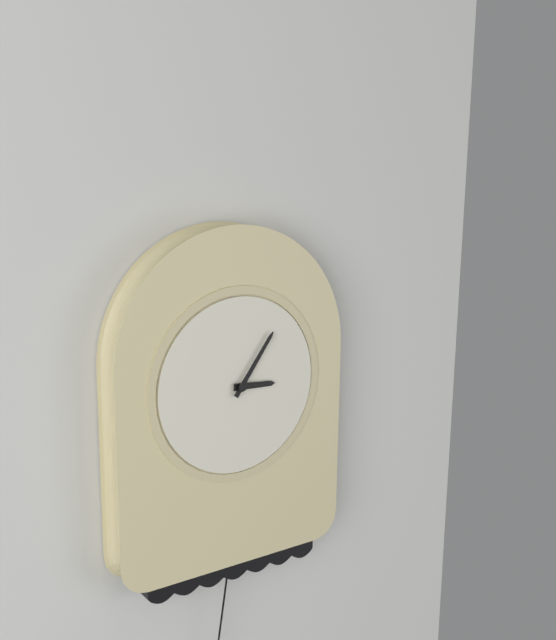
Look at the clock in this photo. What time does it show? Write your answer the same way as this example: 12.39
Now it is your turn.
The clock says 3.06
